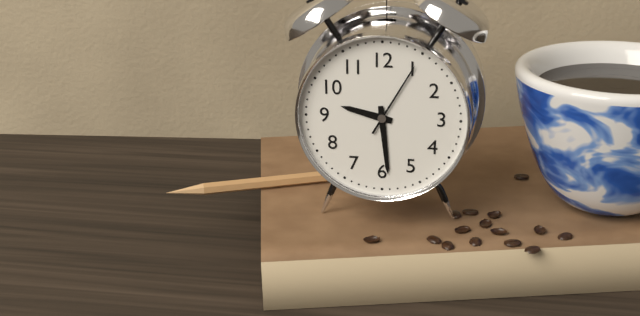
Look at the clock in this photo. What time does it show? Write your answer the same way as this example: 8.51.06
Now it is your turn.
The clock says 9.29.05
